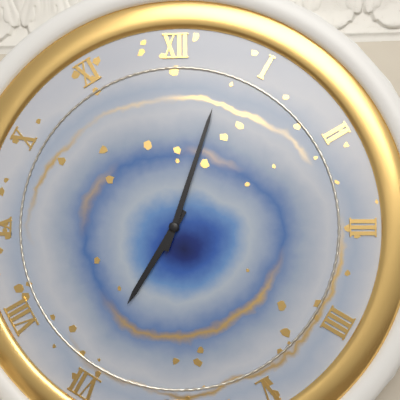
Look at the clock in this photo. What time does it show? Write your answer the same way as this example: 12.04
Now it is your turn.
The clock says 7.03
